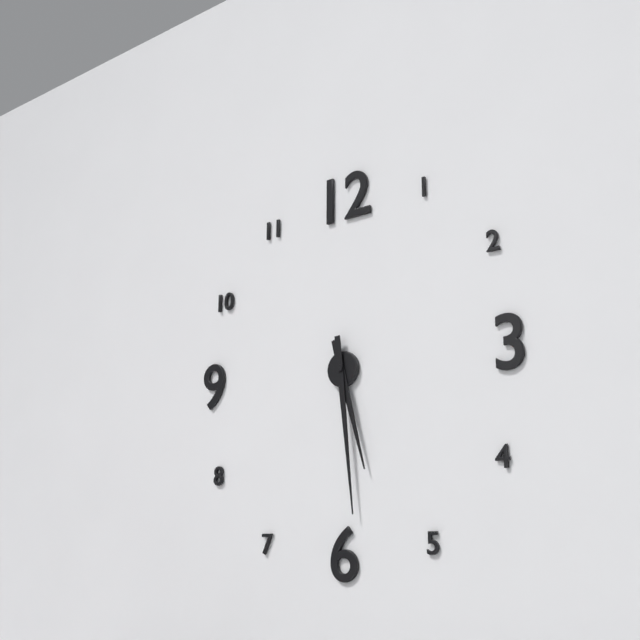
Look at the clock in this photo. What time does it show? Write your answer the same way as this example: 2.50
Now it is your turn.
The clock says 5.29
